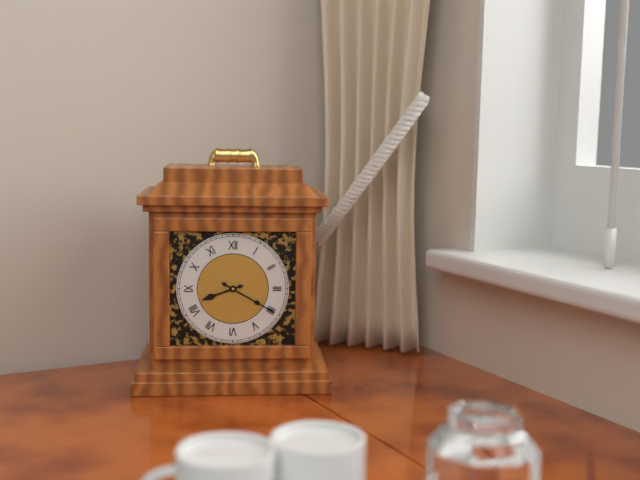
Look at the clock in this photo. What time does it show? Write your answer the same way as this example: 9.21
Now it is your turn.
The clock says 8.20
